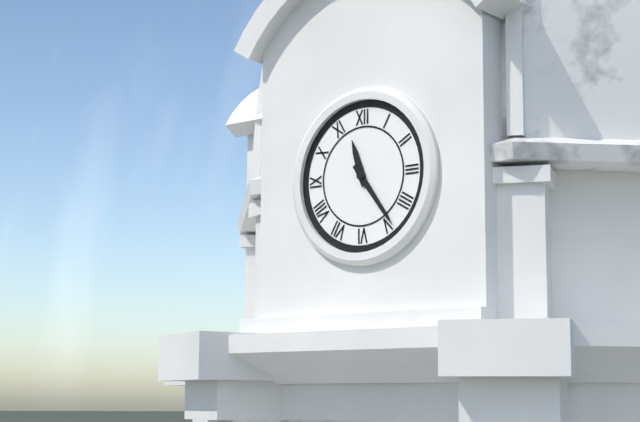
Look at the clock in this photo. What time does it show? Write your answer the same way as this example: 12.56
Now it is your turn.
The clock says 11.24
